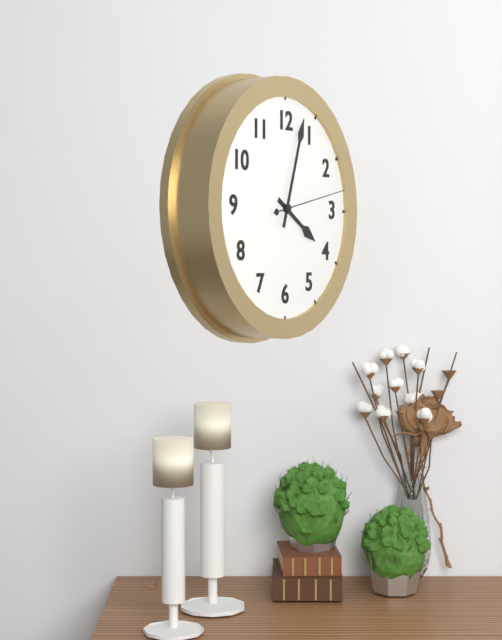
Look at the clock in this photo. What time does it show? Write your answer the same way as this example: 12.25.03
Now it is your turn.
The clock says 4.03.13
